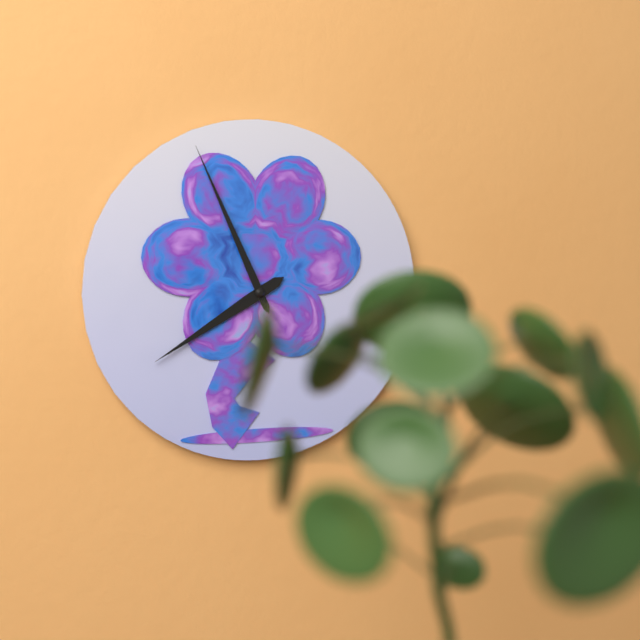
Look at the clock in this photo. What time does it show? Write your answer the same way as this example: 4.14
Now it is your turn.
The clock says 7.56
